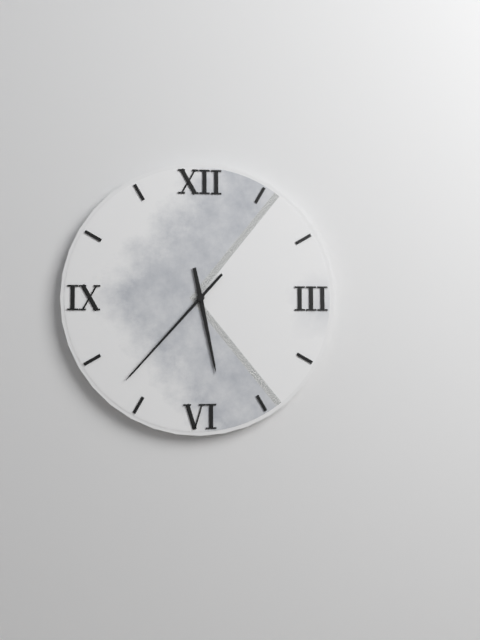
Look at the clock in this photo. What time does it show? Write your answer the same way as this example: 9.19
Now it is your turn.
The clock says 5.37
